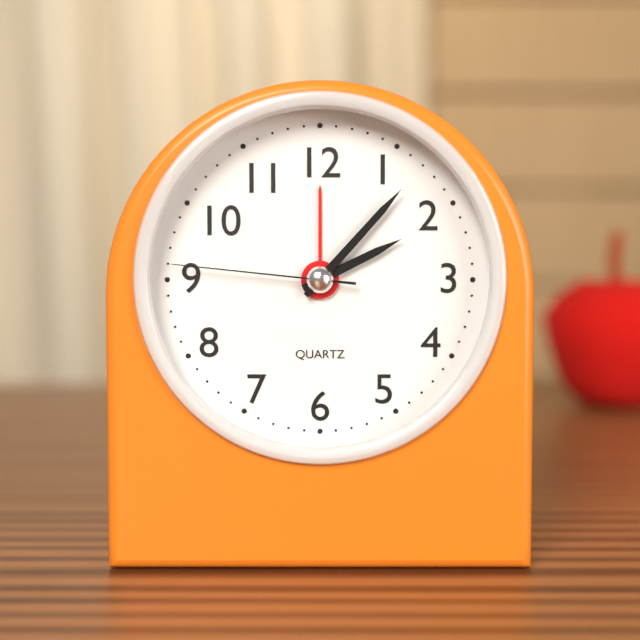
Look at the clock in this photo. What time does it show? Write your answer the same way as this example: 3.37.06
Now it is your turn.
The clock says 2.07.46
